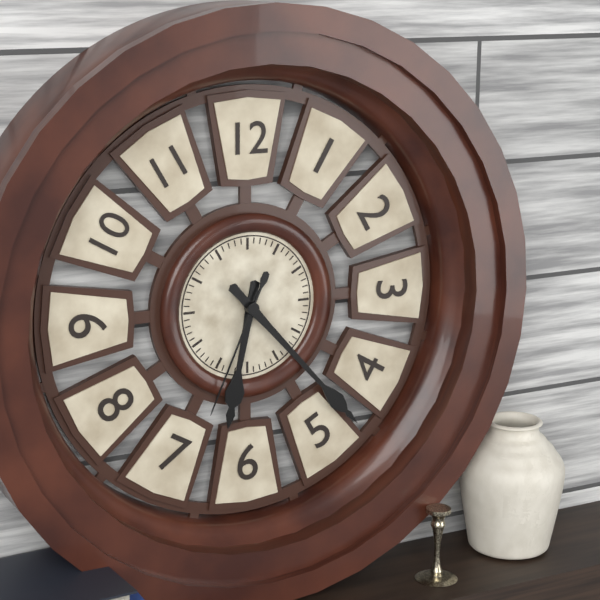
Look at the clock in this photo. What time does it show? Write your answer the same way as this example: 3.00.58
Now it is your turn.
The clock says 6.23.34
